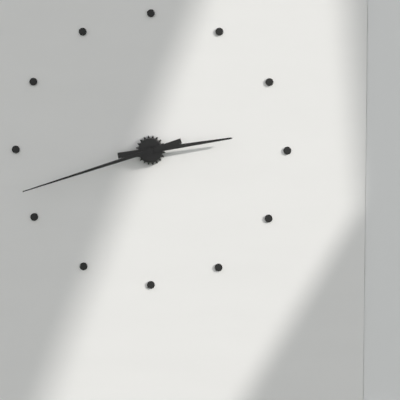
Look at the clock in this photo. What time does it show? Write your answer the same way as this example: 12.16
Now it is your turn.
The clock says 2.42
